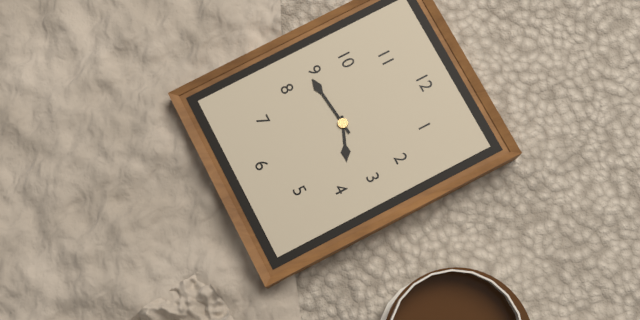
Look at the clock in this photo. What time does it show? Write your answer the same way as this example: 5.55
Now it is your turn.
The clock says 3.44
